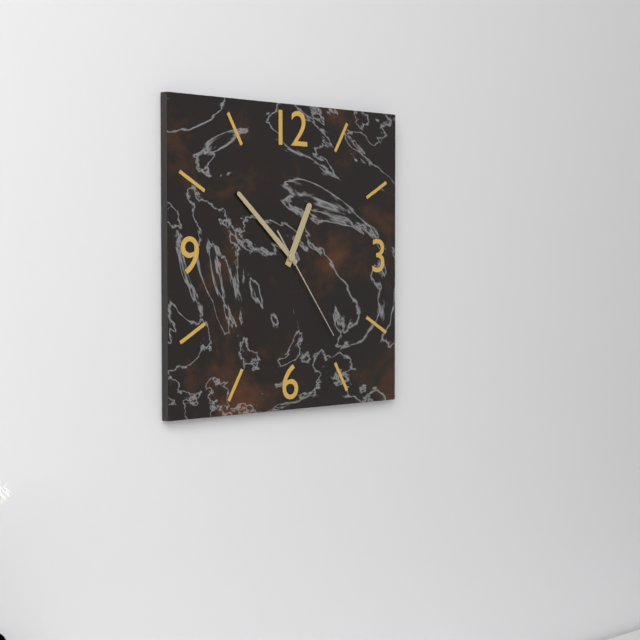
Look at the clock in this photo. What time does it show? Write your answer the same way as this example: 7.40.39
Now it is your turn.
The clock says 12.52.24
